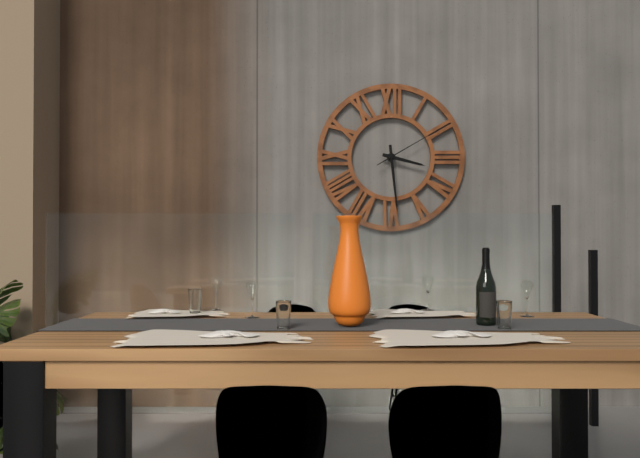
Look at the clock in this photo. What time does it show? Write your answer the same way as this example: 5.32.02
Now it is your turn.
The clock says 3.29.10
